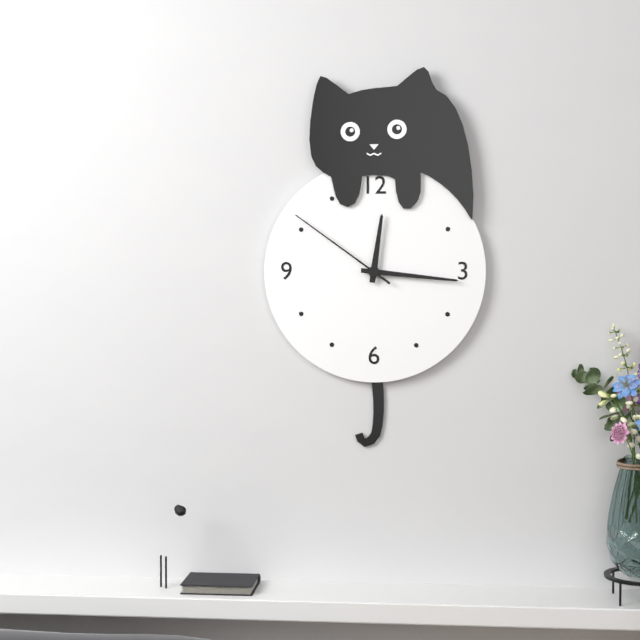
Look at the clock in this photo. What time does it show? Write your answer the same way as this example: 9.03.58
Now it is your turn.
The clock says 12.16.51
